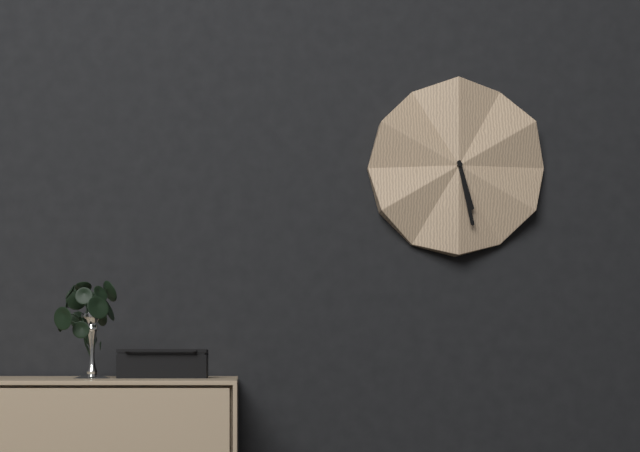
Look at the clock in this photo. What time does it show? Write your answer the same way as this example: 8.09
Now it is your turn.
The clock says 5.28
